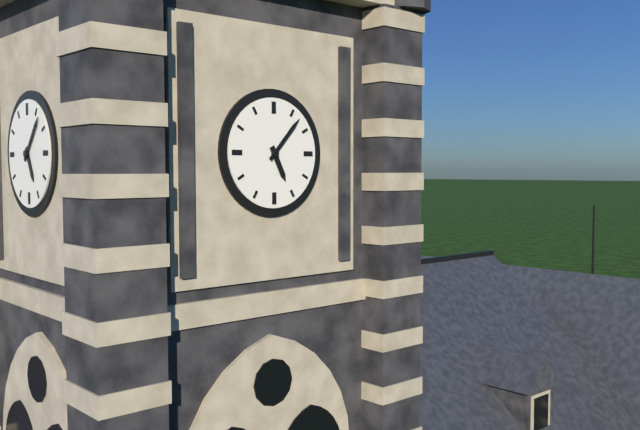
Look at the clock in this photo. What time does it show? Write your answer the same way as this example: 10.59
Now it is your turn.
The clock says 5.07
